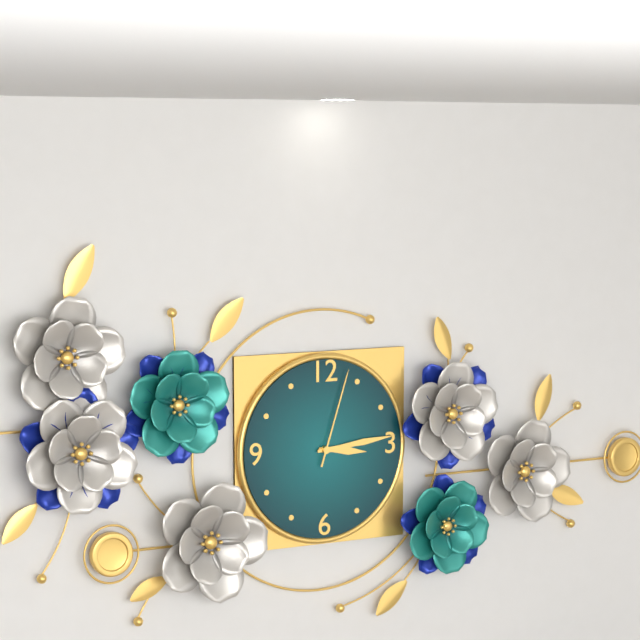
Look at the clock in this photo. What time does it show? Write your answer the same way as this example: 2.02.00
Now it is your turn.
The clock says 3.14.03
